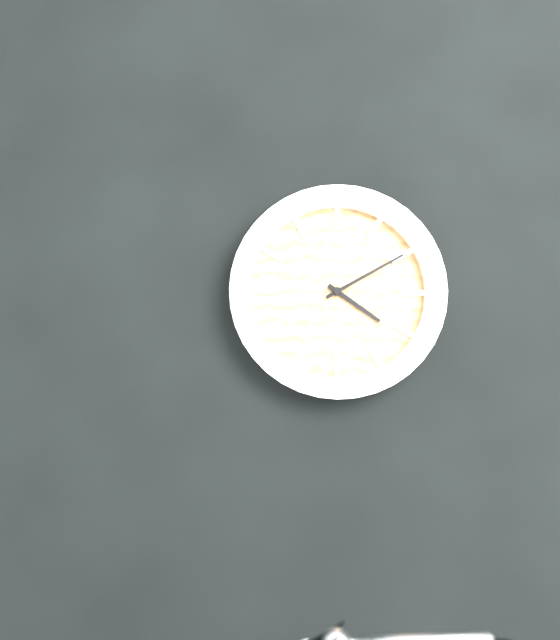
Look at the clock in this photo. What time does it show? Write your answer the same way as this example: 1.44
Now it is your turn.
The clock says 4.10
